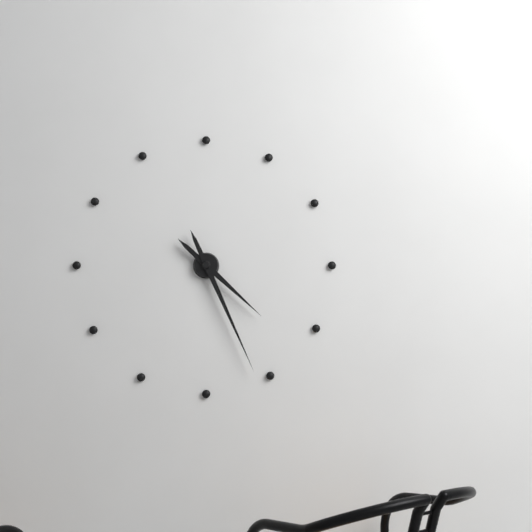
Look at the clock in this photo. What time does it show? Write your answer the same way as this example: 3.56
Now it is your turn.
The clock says 4.26
